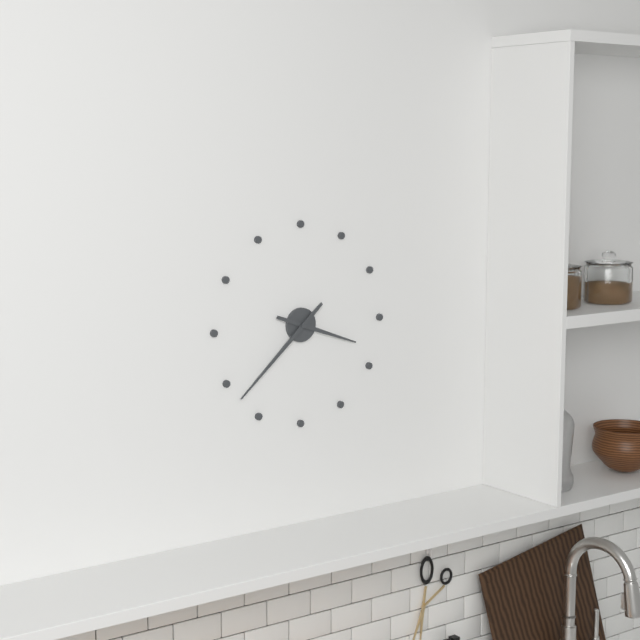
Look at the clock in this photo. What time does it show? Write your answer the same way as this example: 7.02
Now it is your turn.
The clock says 3.38
